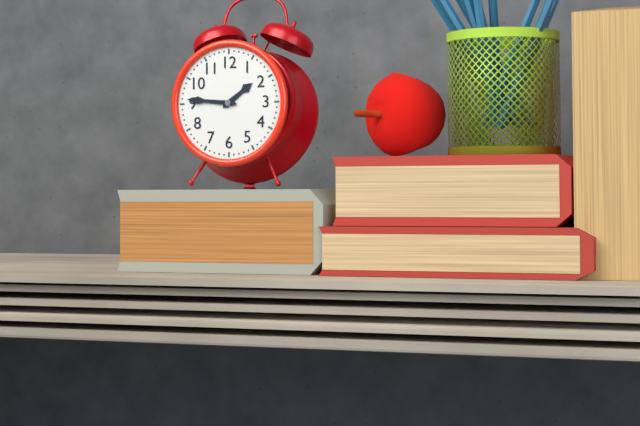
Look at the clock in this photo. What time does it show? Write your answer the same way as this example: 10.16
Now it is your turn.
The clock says 1.46
